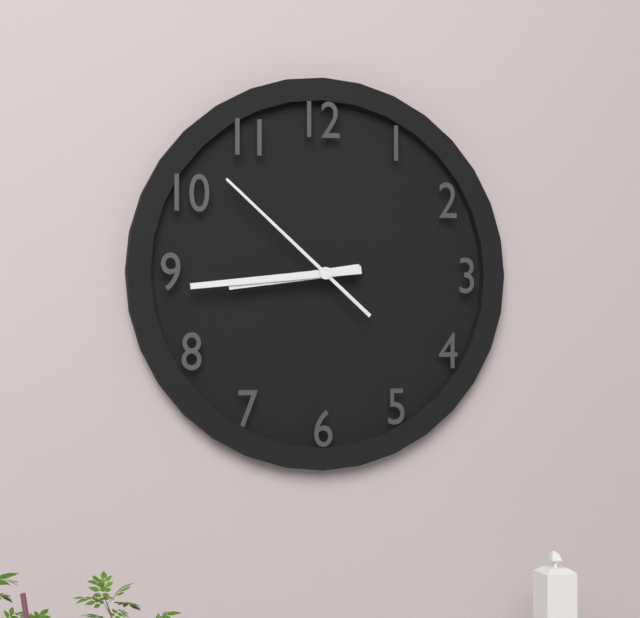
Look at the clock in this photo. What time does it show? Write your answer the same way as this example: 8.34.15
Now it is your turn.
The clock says 8.44.52
